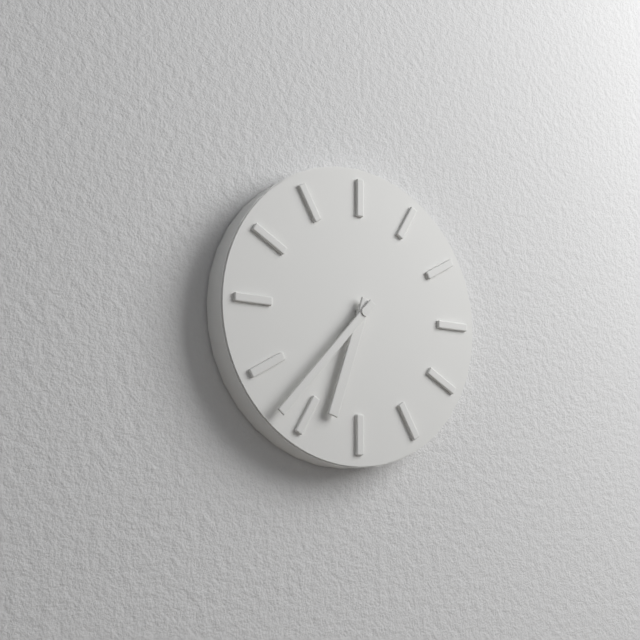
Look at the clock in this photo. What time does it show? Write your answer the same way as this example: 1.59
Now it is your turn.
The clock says 6.37
